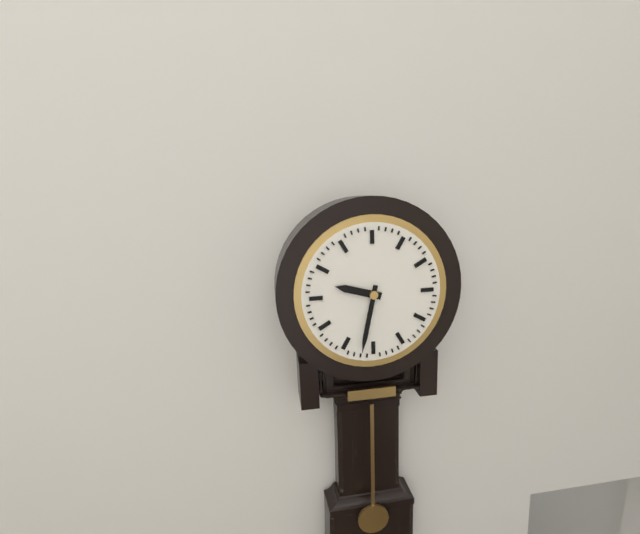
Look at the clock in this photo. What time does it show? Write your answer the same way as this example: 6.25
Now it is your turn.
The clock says 9.32
